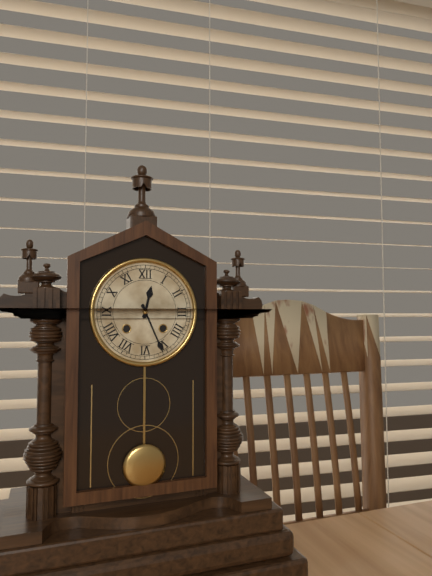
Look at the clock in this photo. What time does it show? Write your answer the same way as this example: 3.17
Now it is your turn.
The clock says 12.26
